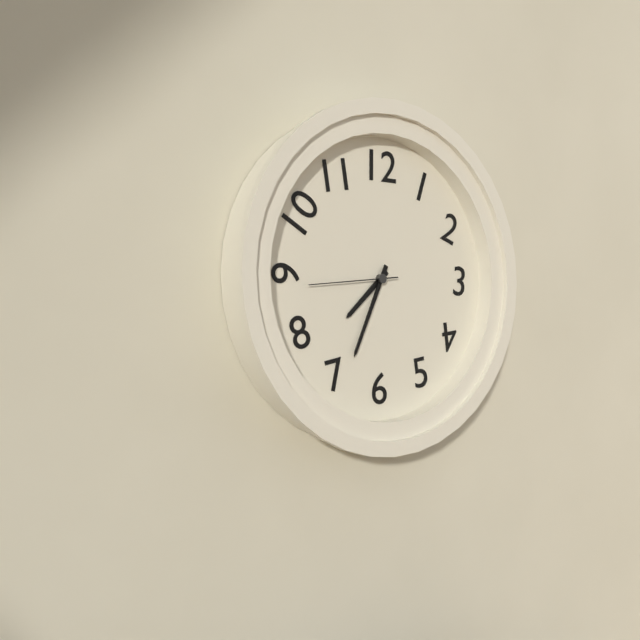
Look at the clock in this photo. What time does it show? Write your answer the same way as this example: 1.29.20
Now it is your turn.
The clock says 7.34.44
